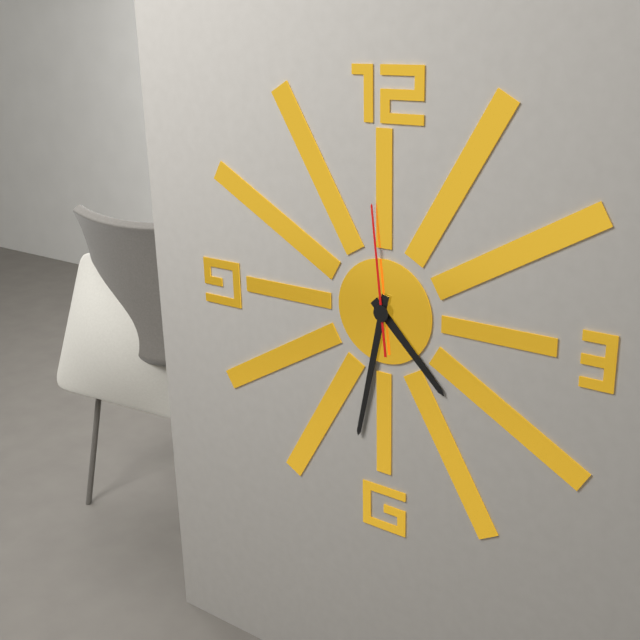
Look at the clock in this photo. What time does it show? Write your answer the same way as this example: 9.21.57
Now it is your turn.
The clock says 4.32.59
